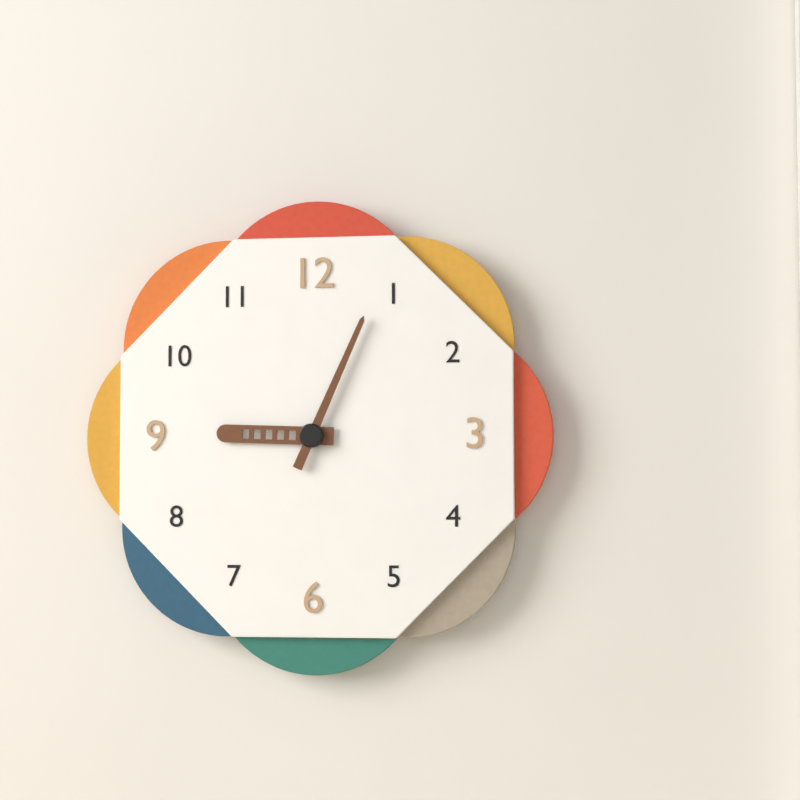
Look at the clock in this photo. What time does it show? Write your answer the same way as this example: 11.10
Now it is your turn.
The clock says 9.04
